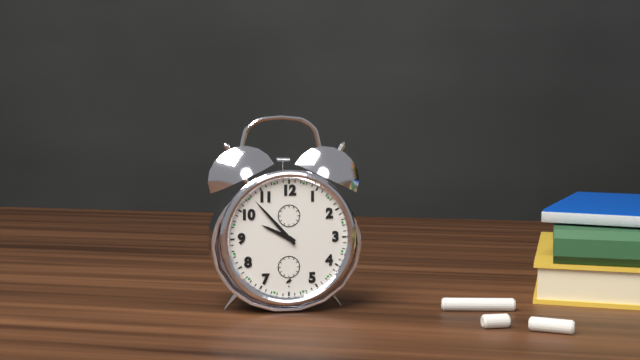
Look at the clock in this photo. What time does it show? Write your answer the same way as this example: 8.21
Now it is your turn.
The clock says 9.53
